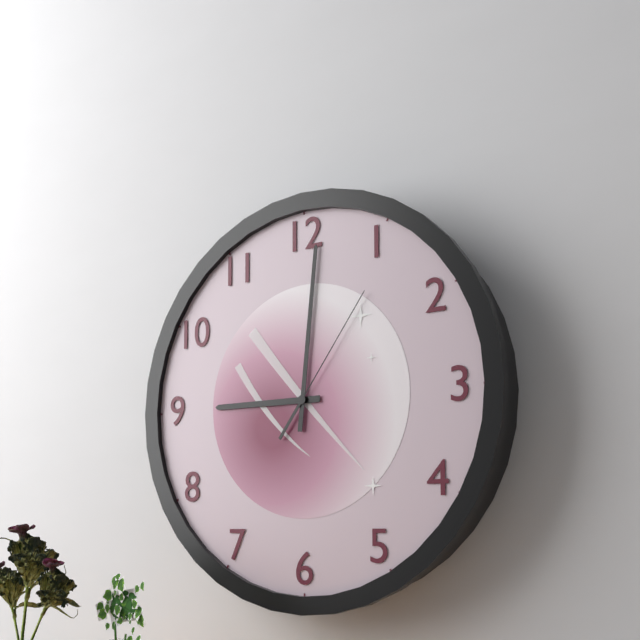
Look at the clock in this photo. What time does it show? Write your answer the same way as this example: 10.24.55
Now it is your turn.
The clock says 9.01.06
